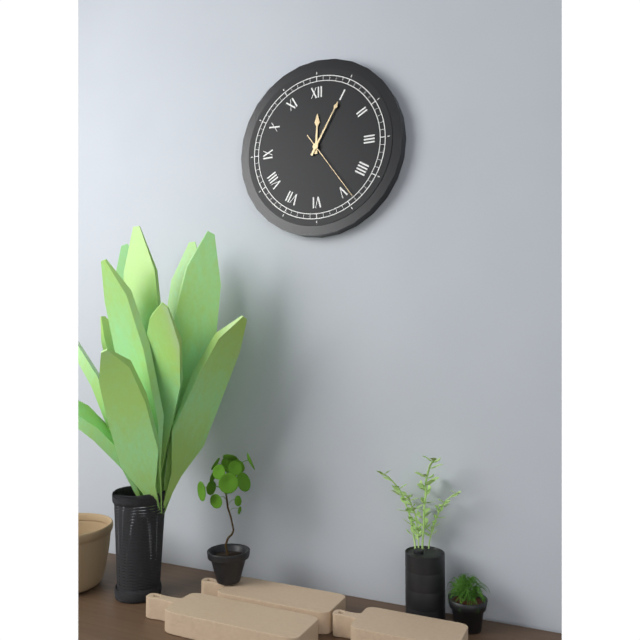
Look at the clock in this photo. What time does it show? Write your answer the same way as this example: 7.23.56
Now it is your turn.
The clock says 12.05.24
